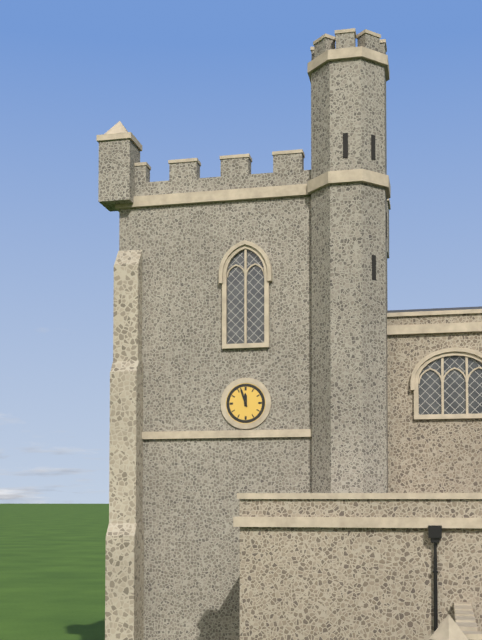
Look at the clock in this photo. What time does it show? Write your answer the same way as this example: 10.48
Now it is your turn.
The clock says 11.57
